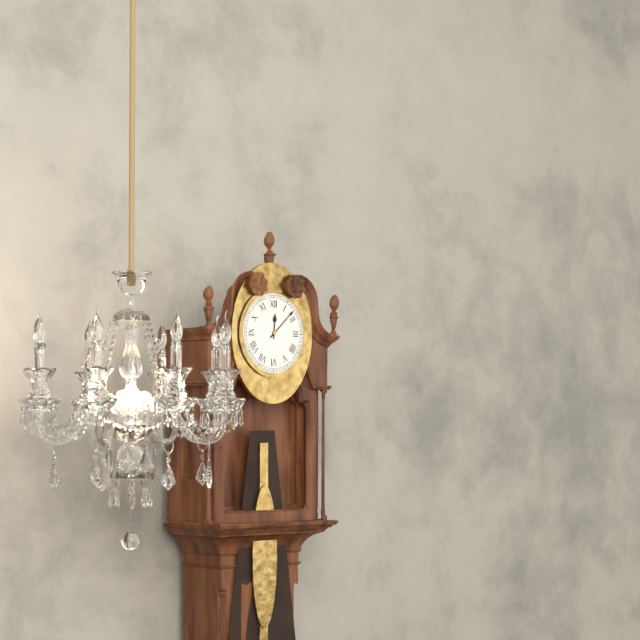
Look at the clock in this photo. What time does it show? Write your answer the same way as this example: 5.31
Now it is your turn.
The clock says 12.08
